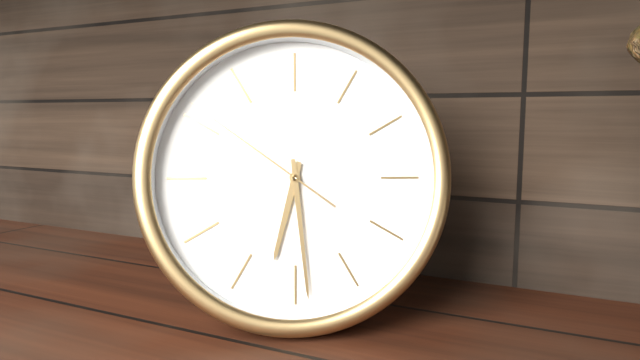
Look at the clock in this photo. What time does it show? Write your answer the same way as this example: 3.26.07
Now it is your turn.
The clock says 6.29.51
